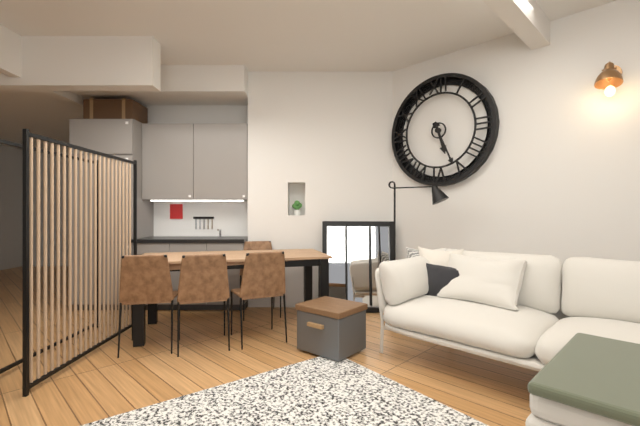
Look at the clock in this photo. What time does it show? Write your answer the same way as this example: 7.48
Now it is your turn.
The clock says 5.26
